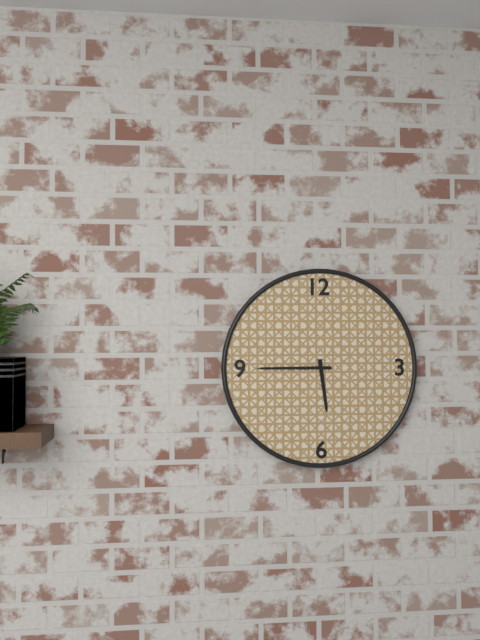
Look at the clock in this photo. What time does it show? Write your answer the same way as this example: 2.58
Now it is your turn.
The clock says 5.45
